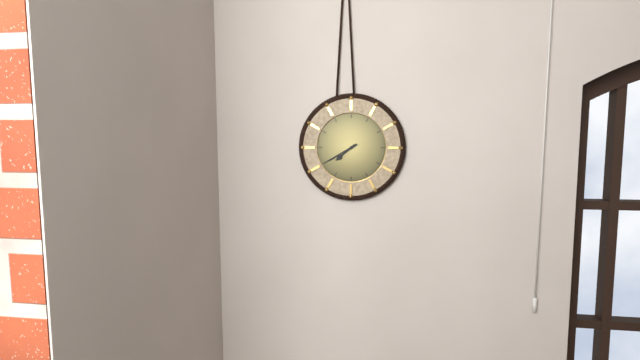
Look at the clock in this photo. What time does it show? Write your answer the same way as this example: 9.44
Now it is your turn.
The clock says 7.40
